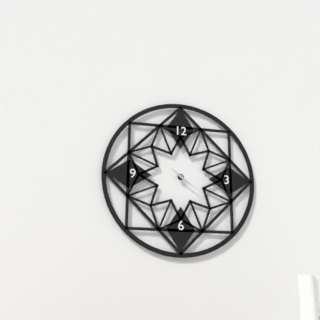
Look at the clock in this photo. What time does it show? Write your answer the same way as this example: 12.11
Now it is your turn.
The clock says 10.21
